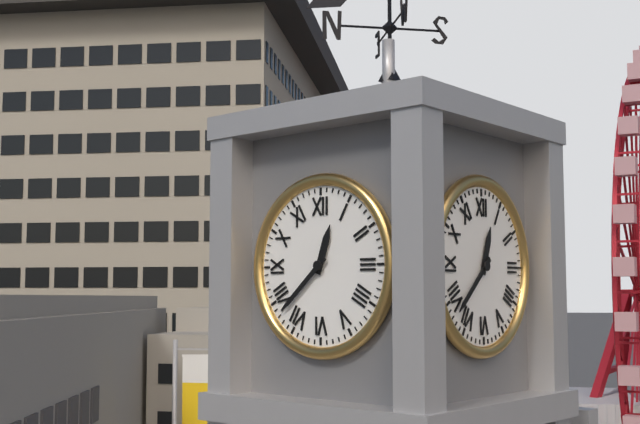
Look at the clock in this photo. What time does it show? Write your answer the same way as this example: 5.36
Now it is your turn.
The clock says 12.38
